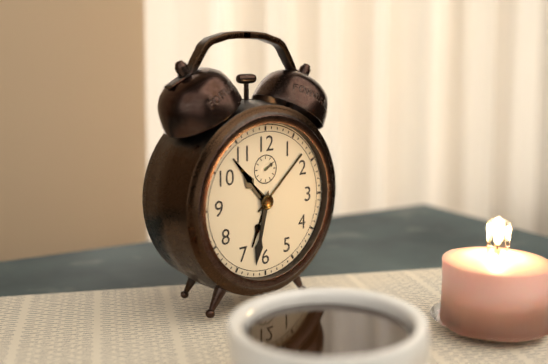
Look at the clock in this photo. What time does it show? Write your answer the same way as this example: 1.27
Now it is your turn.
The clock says 10.32
